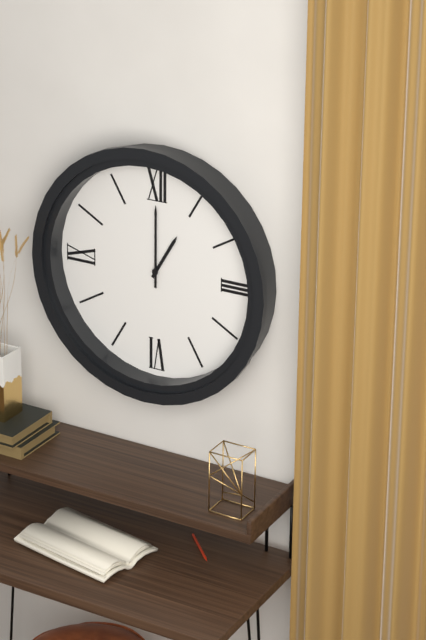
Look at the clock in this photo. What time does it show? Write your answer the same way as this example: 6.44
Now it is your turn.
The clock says 1.00
